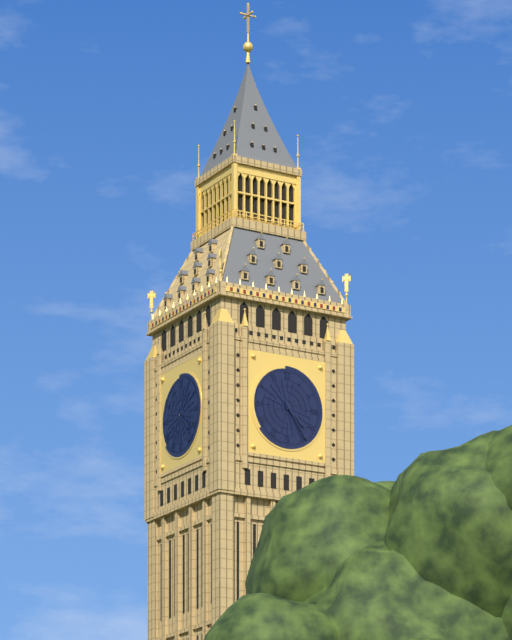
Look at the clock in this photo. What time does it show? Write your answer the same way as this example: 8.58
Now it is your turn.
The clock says 4.24
